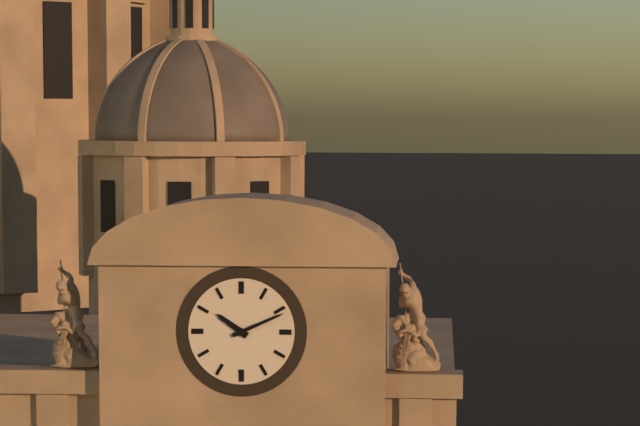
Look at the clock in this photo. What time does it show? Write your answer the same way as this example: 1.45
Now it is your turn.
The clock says 10.11
